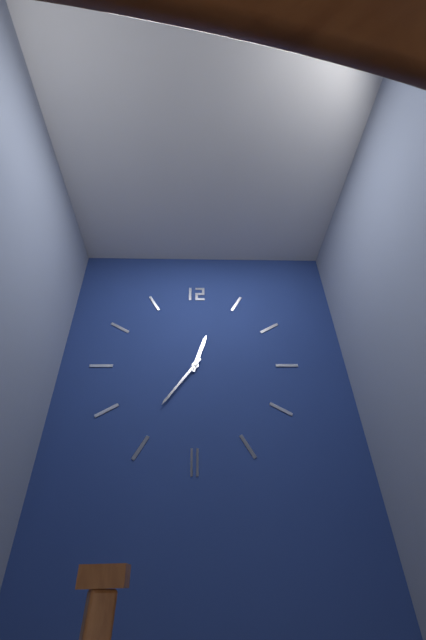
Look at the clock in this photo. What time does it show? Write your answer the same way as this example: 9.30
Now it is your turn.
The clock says 12.36
